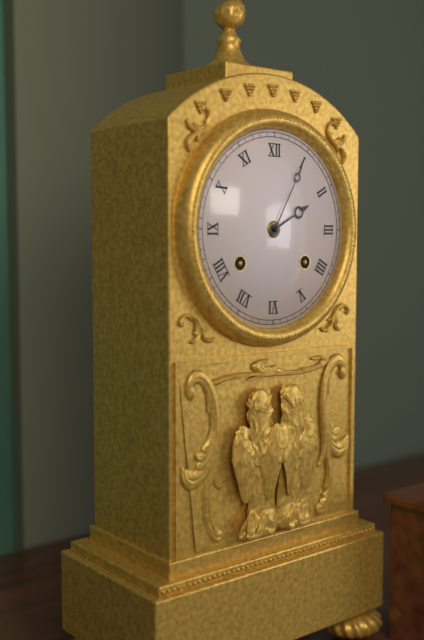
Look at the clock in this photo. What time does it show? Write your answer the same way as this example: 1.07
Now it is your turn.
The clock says 2.05
